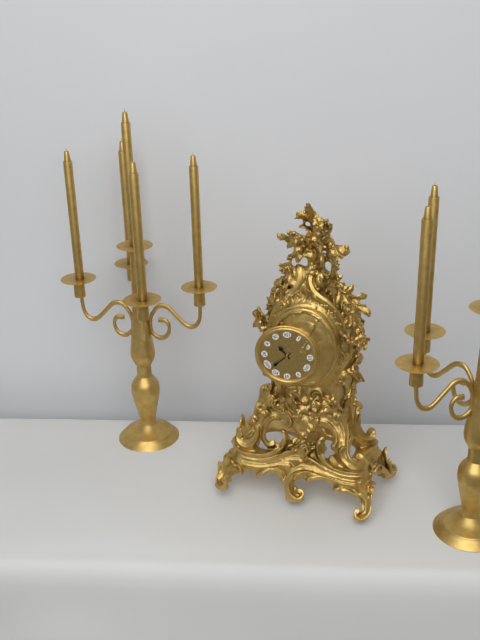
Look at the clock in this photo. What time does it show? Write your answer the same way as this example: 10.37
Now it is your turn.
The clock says 10.38
